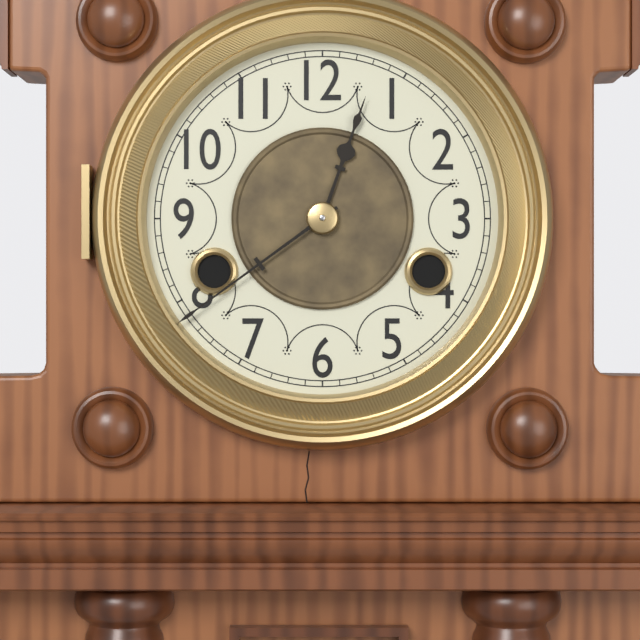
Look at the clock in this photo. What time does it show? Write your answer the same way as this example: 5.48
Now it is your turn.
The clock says 12.39
